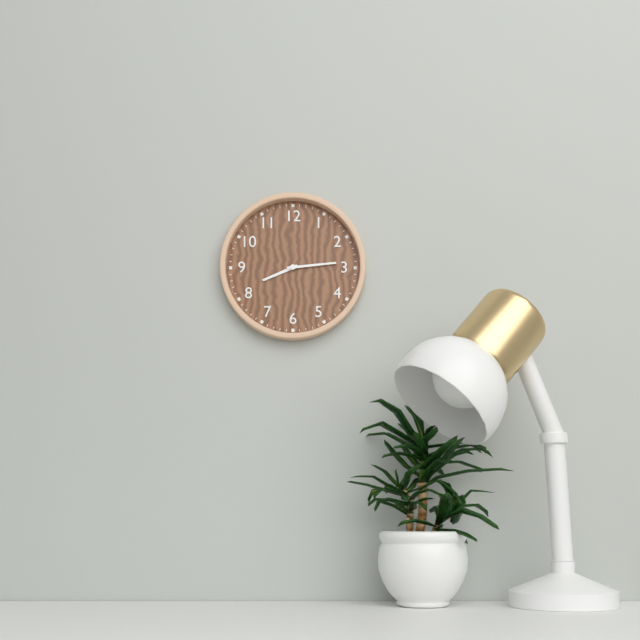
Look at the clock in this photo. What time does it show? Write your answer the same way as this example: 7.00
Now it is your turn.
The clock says 8.14
